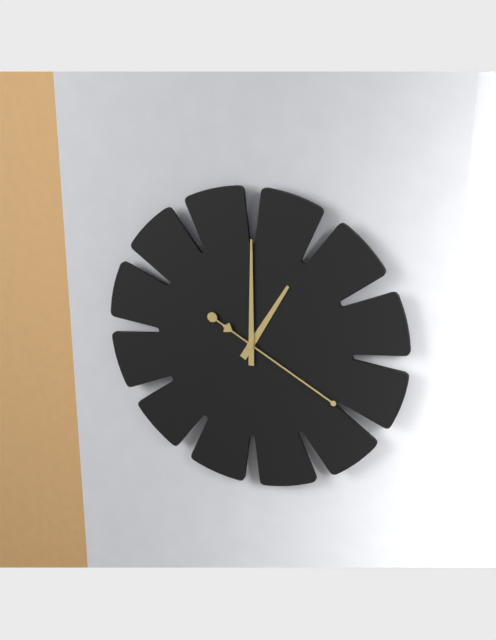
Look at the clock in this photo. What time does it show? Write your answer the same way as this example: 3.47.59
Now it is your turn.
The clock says 1.00.20
